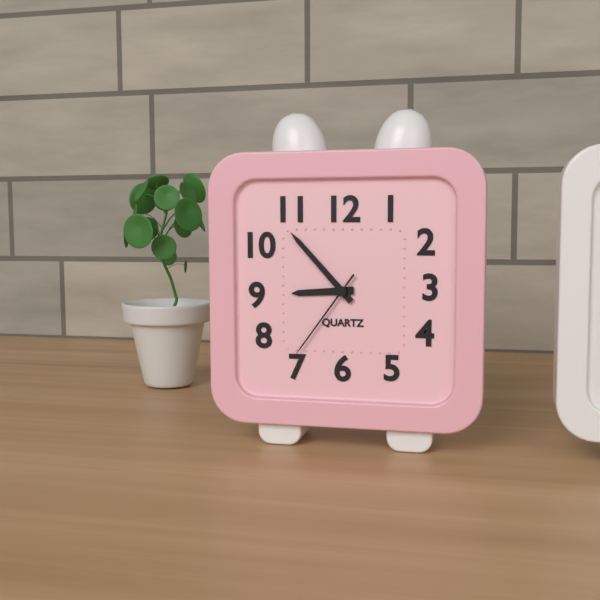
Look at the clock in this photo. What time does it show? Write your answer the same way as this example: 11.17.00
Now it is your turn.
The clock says 8.53.36
